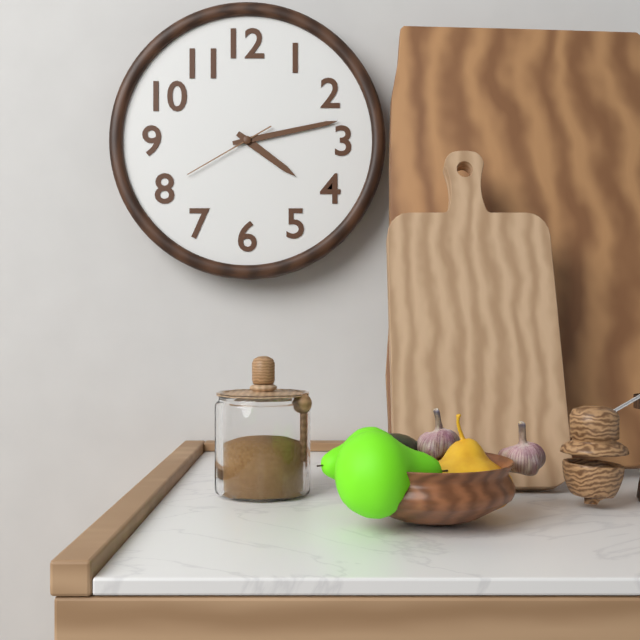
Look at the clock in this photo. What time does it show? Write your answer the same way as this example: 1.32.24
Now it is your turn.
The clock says 4.13.40
